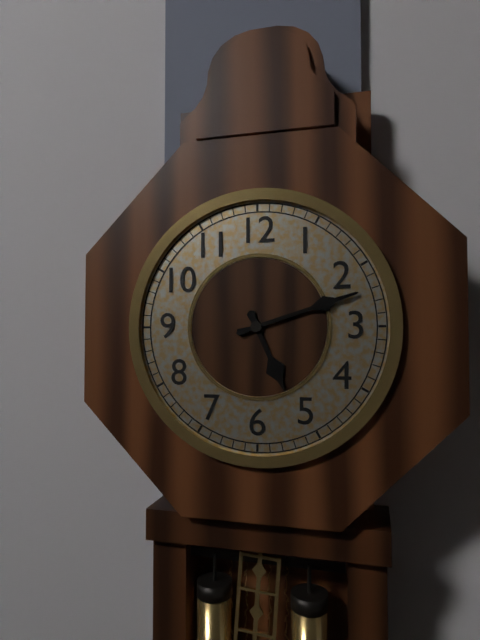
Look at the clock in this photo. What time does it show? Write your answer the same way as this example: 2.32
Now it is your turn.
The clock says 5.12
